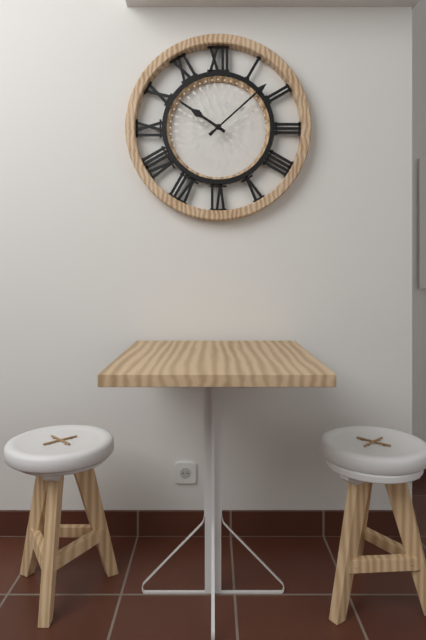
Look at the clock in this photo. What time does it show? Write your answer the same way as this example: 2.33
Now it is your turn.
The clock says 10.08
